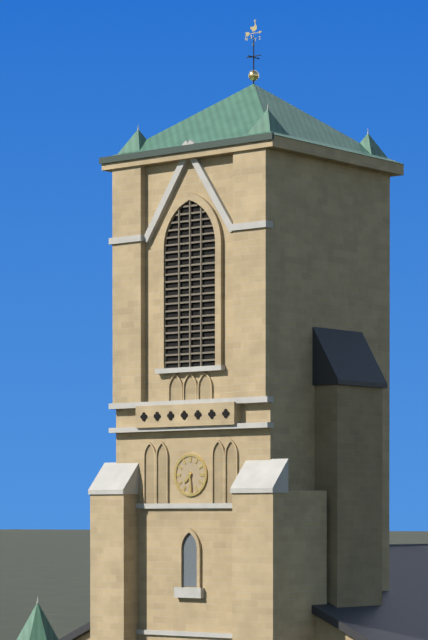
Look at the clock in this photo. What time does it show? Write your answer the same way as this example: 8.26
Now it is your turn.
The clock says 7.29
